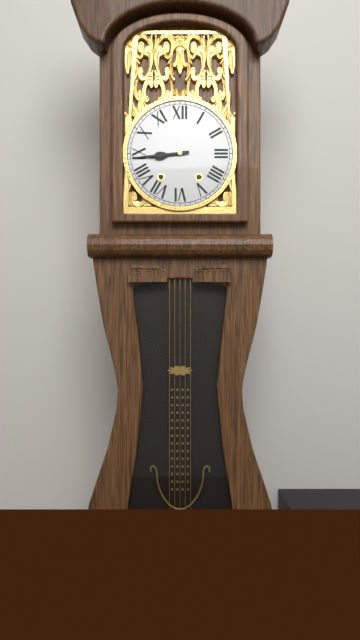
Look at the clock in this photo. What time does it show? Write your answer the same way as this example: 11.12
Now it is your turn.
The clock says 8.44
